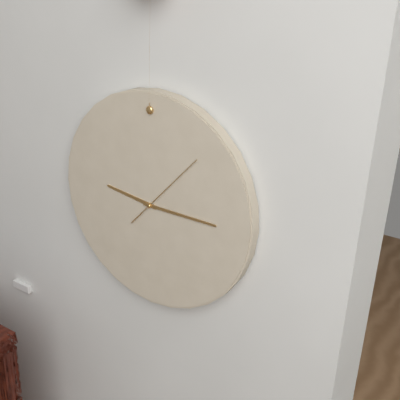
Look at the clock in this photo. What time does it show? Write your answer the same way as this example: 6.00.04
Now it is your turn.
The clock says 9.15.07
